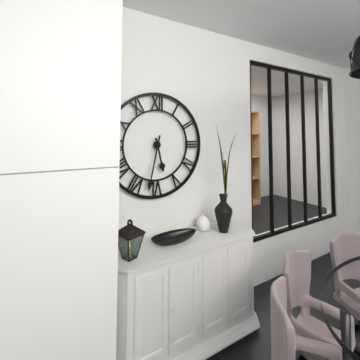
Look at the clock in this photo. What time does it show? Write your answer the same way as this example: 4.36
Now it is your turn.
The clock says 5.32
